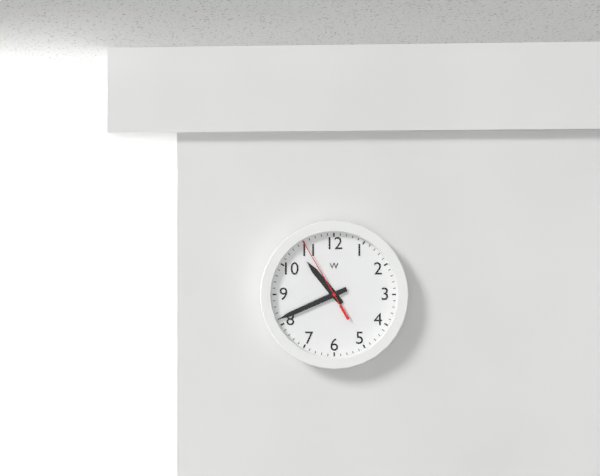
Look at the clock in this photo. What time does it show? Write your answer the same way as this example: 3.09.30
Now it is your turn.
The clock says 10.41.55
